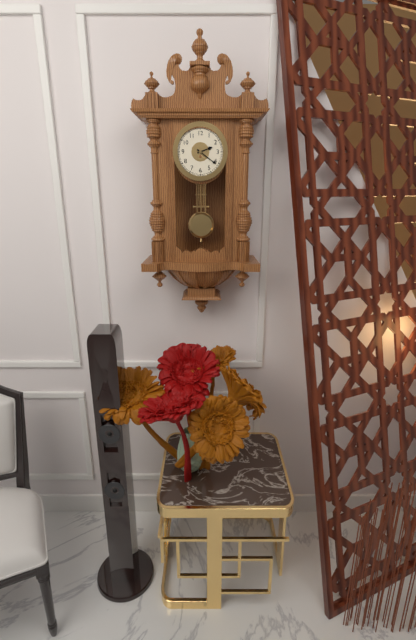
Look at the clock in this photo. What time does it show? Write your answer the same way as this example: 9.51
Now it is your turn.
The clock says 2.21
